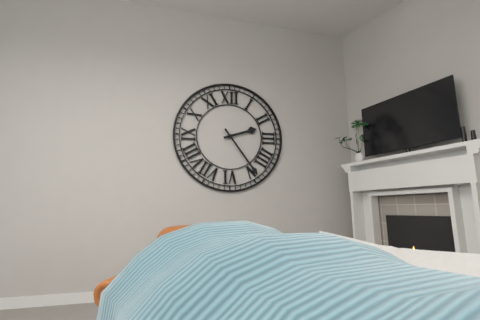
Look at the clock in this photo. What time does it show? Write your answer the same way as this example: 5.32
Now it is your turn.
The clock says 2.24
